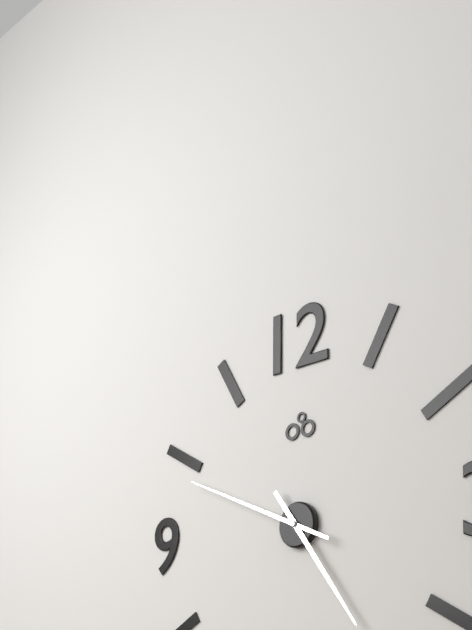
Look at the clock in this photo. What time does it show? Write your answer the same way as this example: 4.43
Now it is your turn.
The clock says 4.49
